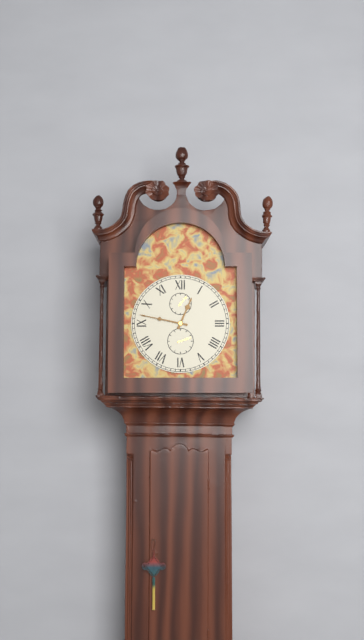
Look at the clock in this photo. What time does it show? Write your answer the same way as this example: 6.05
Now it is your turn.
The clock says 12.47
